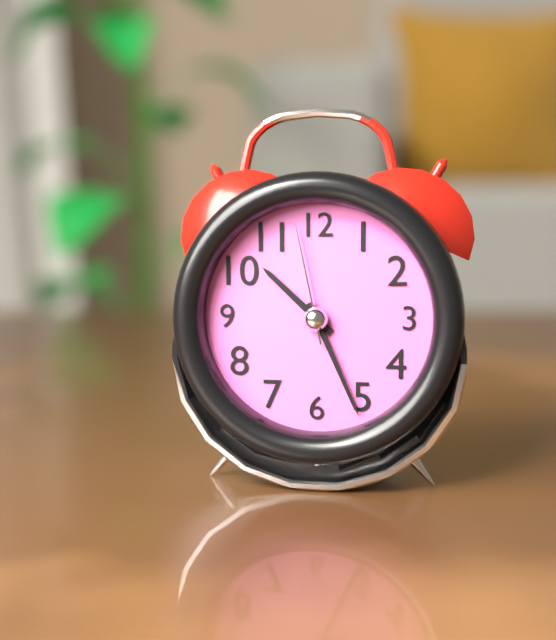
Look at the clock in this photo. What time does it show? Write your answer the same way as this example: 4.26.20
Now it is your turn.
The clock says 10.26.58
